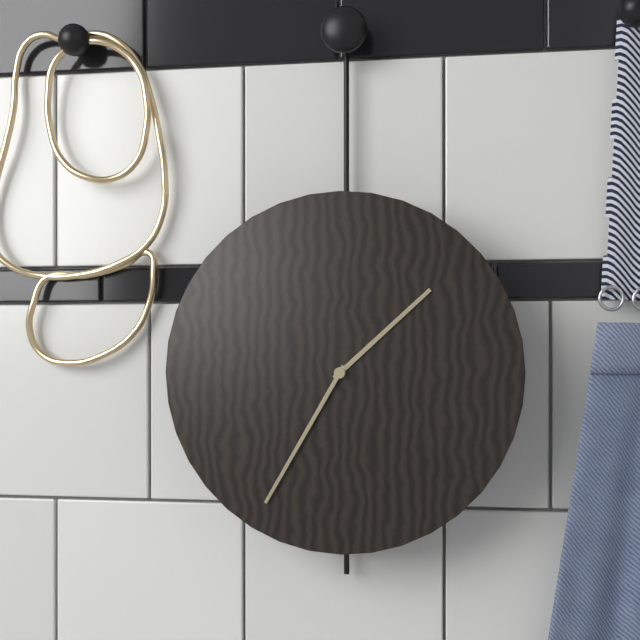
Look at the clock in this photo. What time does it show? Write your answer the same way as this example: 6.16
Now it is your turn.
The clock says 1.35
